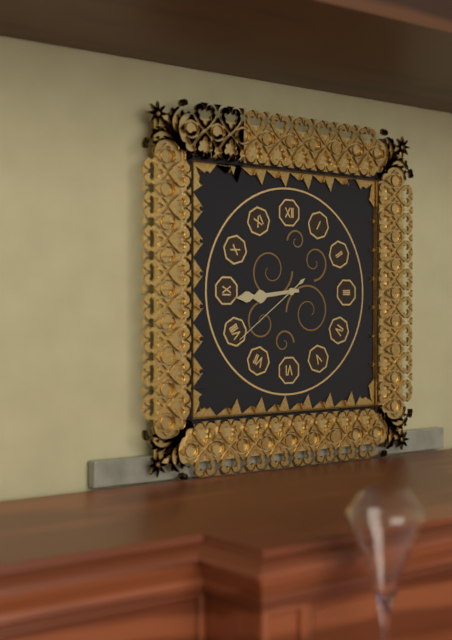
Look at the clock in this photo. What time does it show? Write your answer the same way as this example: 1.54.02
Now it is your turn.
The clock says 8.44.39
